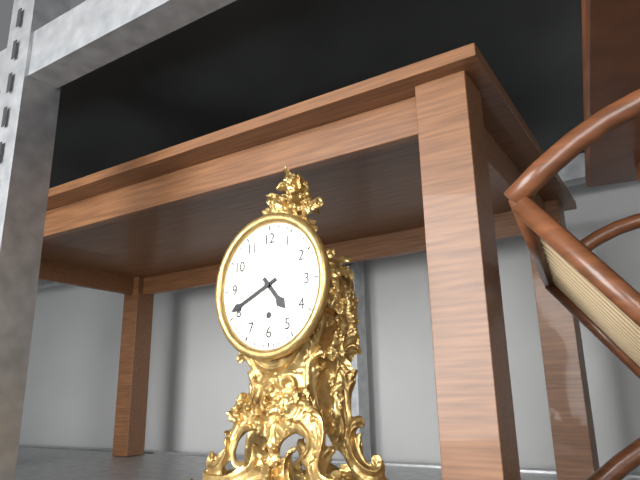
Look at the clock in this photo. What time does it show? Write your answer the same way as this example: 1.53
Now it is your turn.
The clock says 4.41
